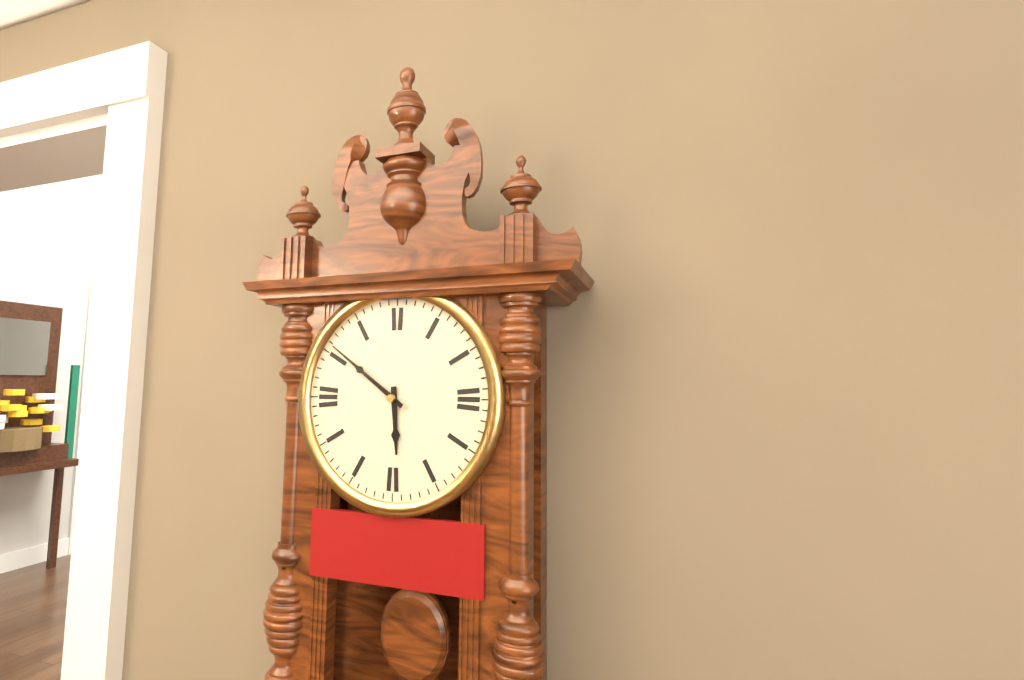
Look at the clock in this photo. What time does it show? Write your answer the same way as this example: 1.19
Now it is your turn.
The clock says 5.51
